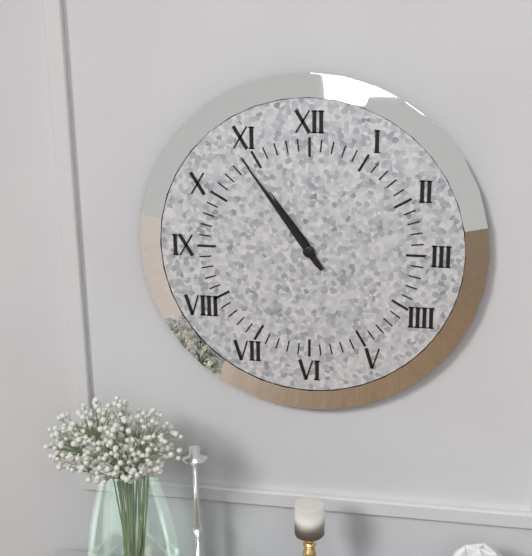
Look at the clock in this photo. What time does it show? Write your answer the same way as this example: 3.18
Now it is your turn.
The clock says 10.54
